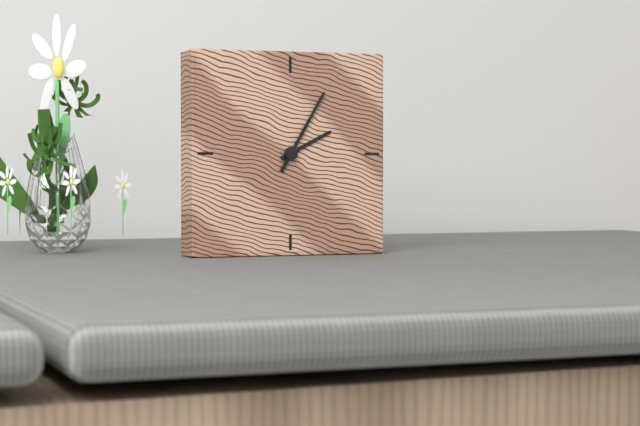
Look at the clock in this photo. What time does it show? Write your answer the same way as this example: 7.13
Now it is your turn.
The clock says 2.05
